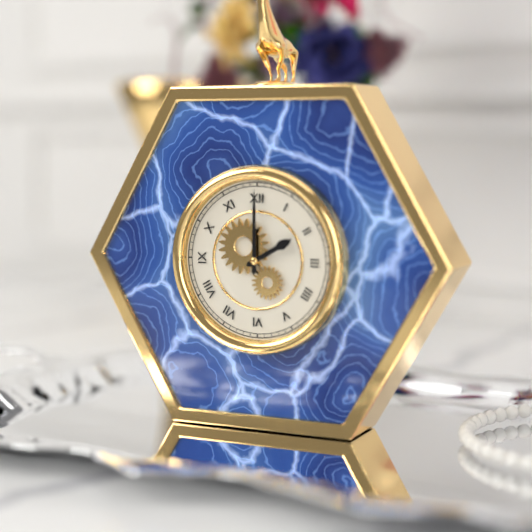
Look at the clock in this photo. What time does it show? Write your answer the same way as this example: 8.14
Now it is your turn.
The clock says 2.00
